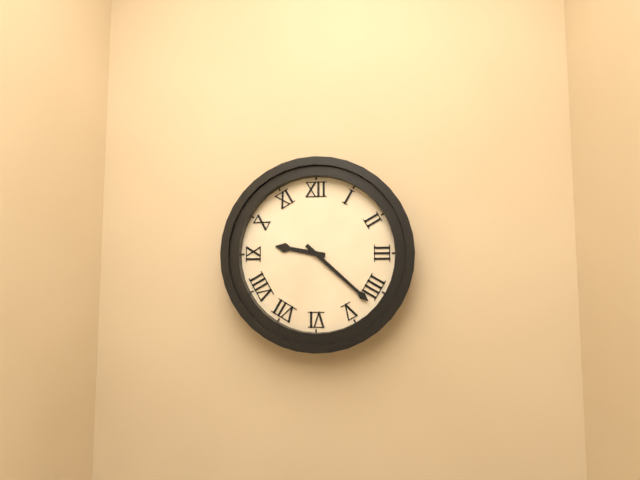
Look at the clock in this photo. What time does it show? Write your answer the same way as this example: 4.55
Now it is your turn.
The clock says 9.22
